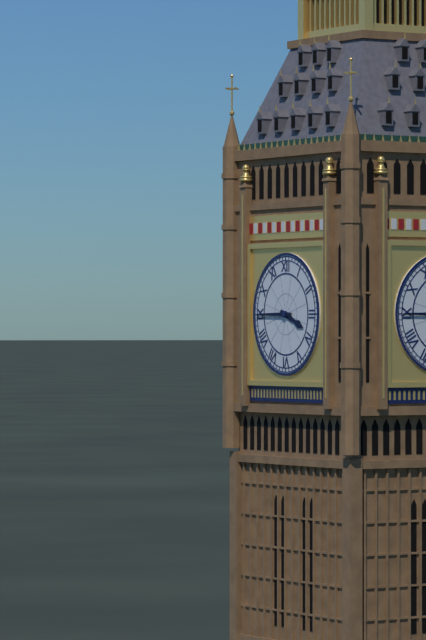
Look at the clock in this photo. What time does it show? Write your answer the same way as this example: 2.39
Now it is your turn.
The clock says 3.45
